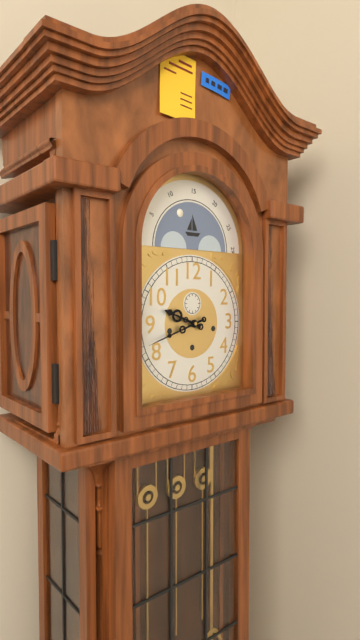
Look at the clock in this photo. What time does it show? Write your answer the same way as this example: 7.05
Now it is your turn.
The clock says 9.42
